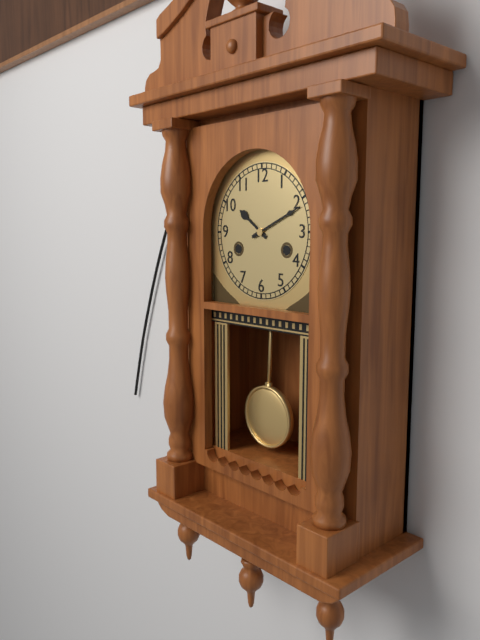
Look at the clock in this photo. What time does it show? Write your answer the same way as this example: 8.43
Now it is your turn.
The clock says 10.11
